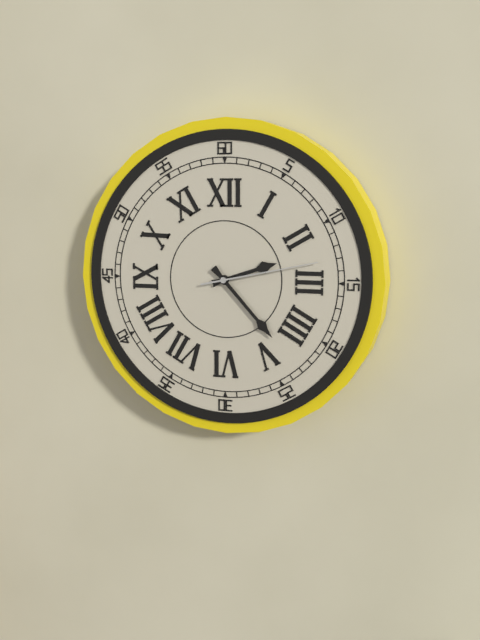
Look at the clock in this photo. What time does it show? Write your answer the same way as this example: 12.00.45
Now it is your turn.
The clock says 2.23.13
